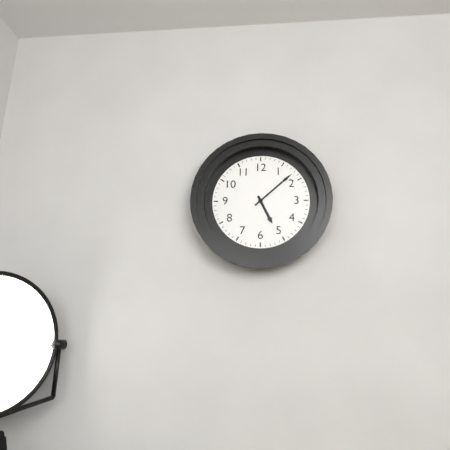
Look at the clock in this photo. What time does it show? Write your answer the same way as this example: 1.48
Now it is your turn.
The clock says 5.08
